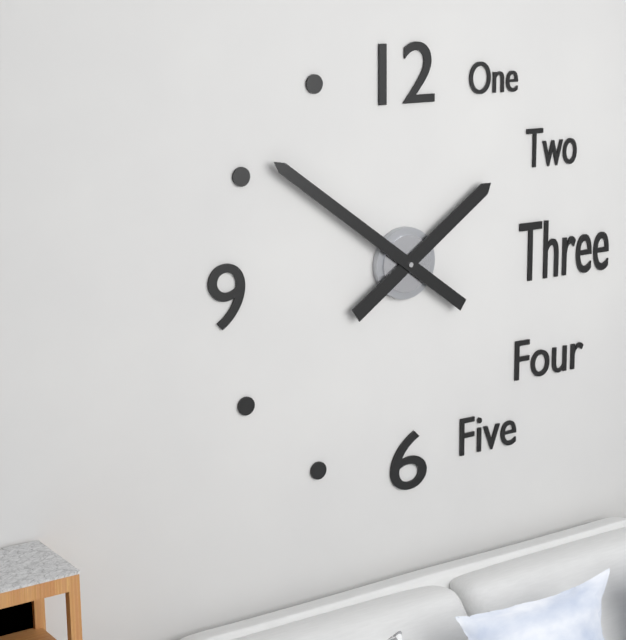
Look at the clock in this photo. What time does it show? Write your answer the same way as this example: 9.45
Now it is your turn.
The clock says 1.51
